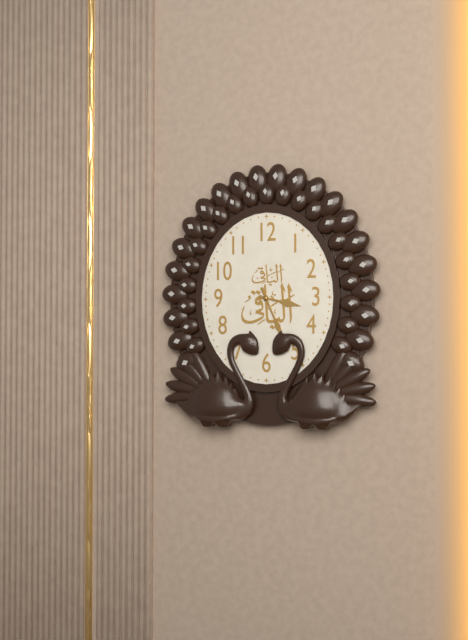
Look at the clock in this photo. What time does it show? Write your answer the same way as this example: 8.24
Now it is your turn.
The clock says 3.26
